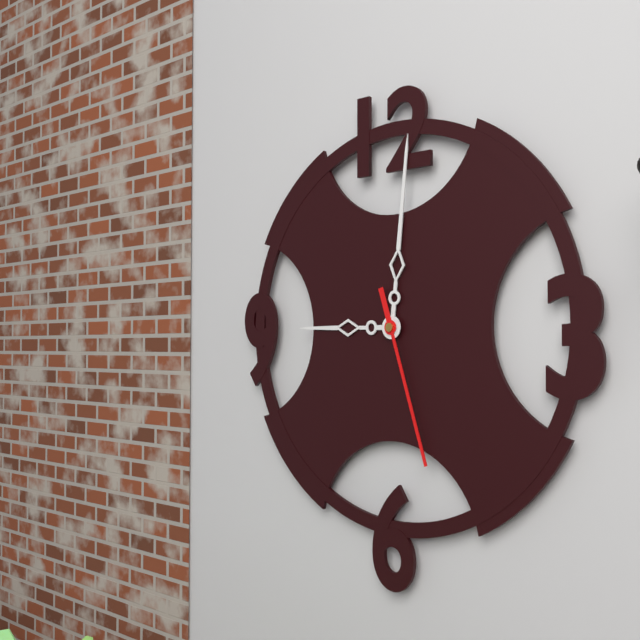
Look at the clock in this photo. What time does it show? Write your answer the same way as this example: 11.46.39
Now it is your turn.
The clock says 9.01.27
